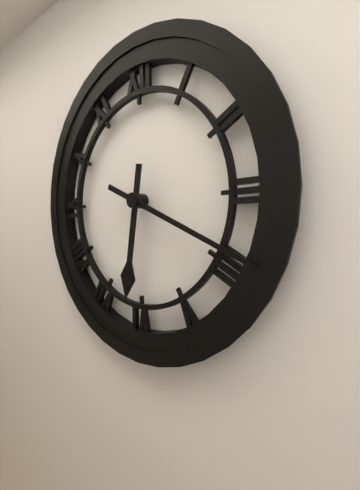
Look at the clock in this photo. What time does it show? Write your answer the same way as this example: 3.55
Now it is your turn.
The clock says 6.19
